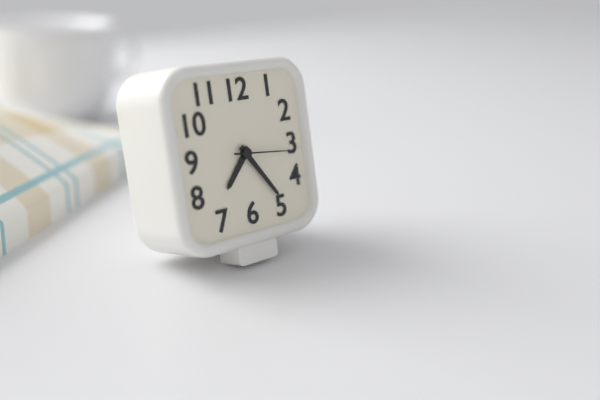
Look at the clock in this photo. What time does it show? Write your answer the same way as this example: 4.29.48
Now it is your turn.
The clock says 7.24.16
